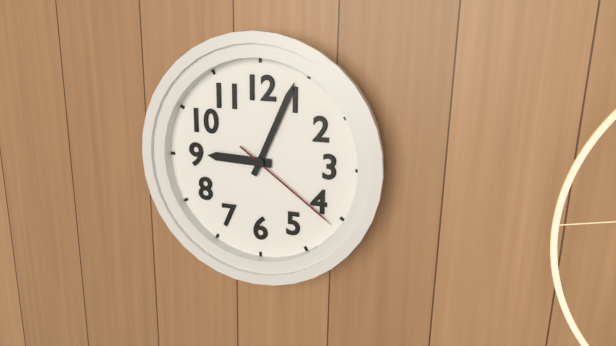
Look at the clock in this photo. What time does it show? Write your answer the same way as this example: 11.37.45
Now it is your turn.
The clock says 9.04.21
